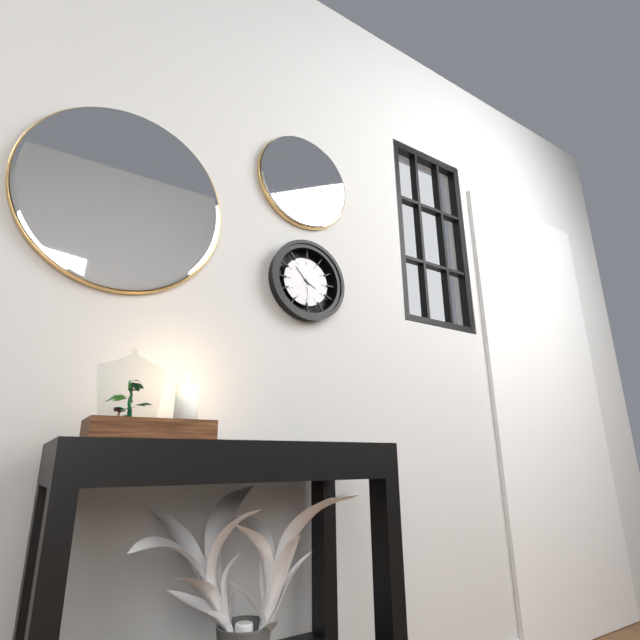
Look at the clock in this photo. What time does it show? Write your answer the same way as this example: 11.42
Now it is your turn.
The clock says 3.53
